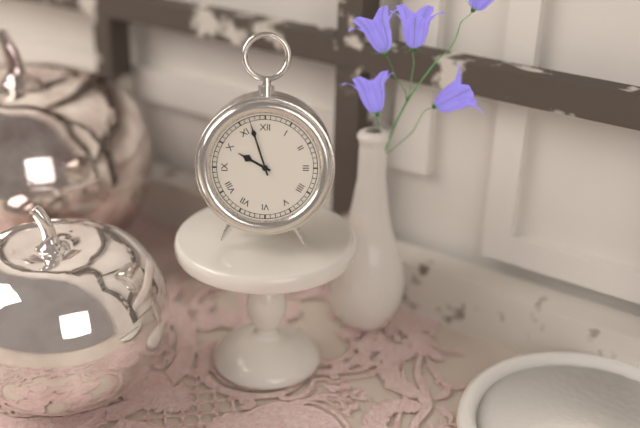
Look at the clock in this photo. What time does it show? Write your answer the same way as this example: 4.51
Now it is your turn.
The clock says 9.57
